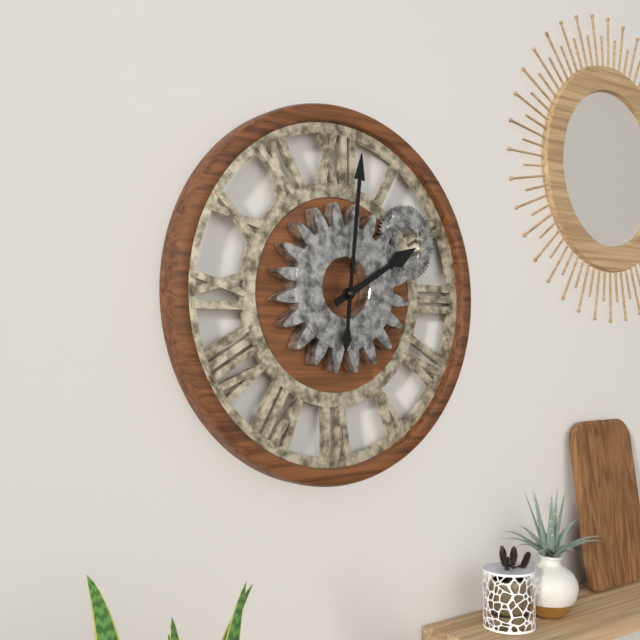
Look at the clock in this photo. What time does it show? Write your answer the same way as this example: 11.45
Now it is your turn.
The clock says 2.01
